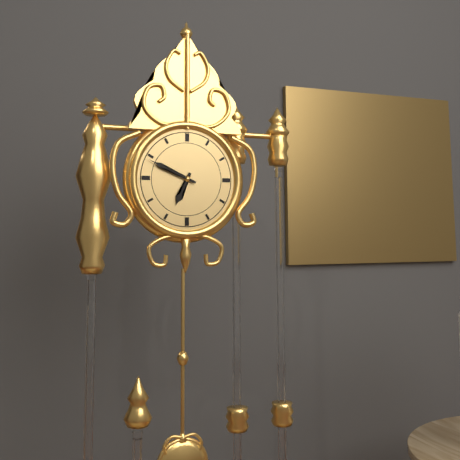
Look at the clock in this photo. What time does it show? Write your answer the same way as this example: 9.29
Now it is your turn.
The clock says 6.49
